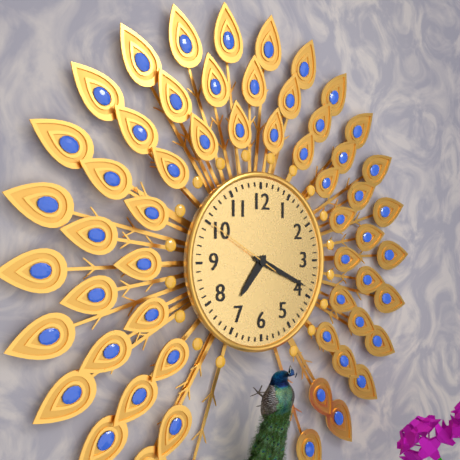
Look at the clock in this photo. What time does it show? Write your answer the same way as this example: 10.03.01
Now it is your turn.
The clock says 7.19.50
